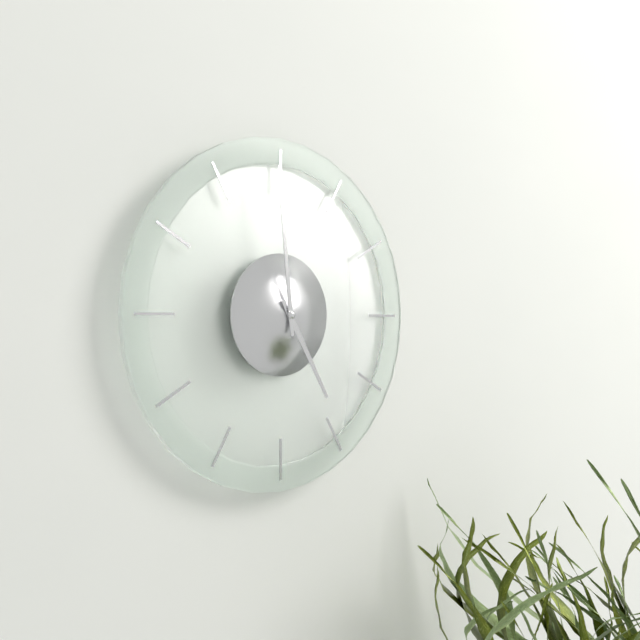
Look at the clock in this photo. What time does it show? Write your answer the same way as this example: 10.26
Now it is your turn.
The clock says 4.59
